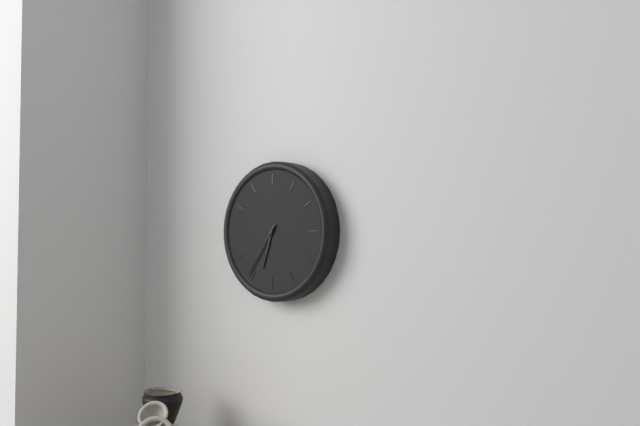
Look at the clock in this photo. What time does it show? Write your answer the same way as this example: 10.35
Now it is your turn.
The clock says 6.36
